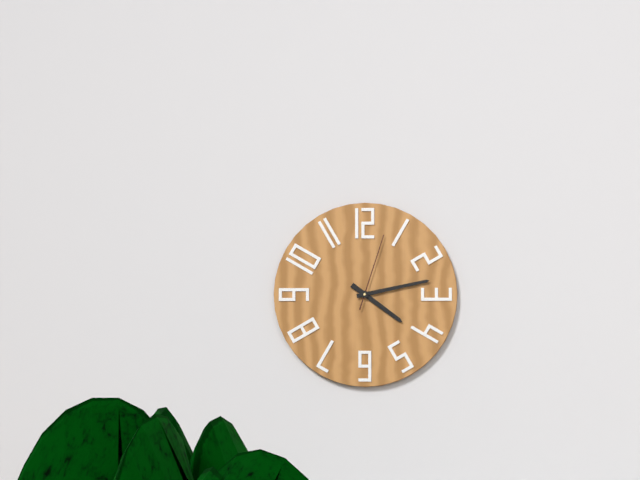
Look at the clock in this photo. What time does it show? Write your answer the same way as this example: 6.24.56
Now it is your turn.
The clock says 4.13.03
